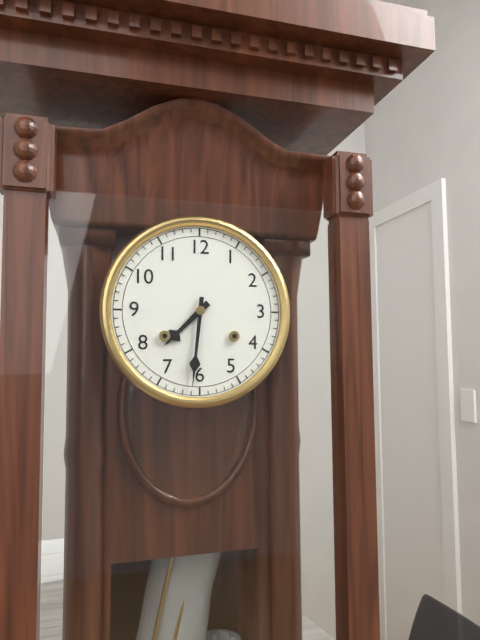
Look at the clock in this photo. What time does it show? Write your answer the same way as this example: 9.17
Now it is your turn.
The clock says 7.31
